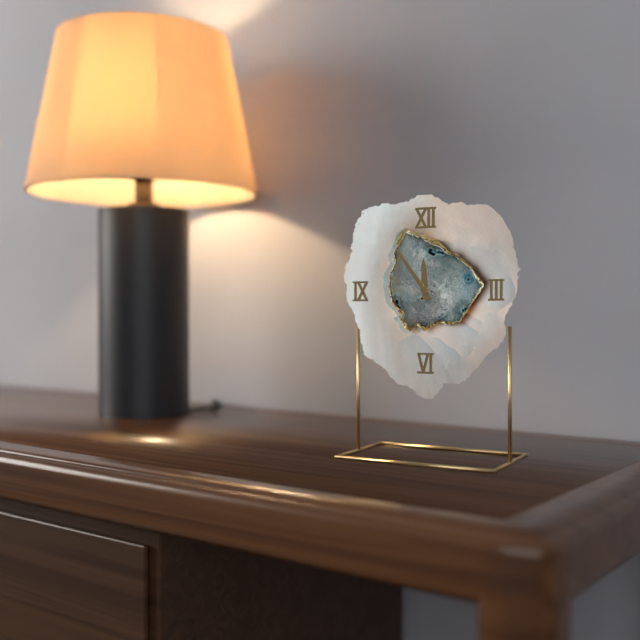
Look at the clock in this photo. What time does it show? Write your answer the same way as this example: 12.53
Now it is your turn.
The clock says 11.54
